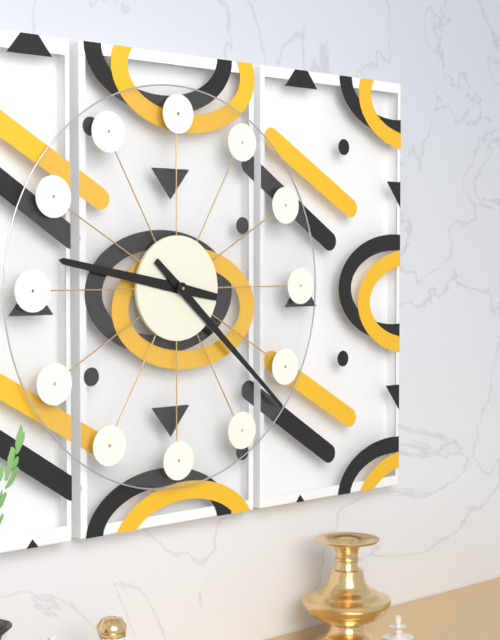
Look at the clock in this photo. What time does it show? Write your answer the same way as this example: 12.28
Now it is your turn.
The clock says 9.22
